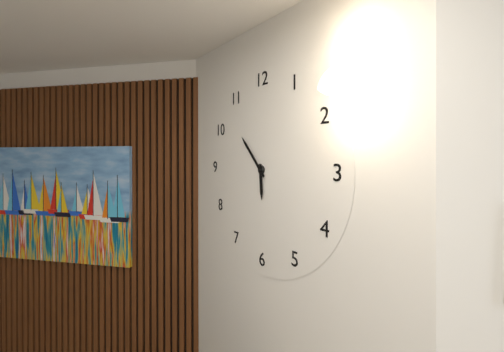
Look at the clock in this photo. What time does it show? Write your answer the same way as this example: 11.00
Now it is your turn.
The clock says 5.53
